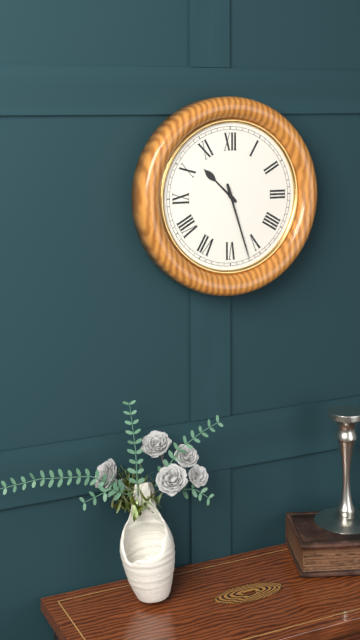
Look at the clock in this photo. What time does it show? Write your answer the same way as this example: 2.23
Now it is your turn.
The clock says 10.27
